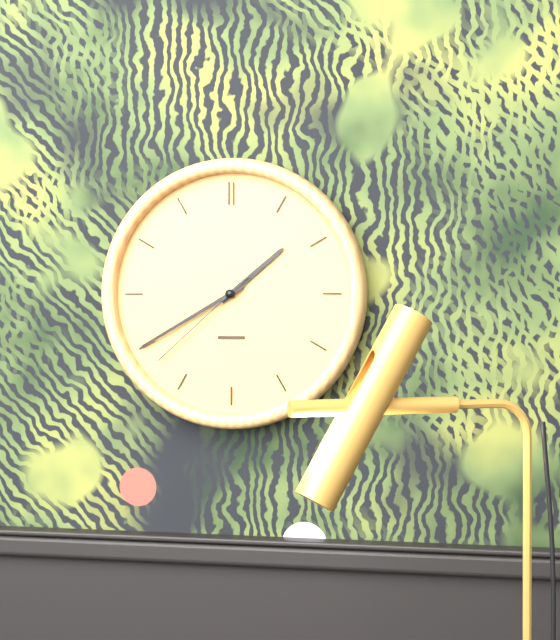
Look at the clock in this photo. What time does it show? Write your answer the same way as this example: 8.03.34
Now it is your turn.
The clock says 1.40.38
